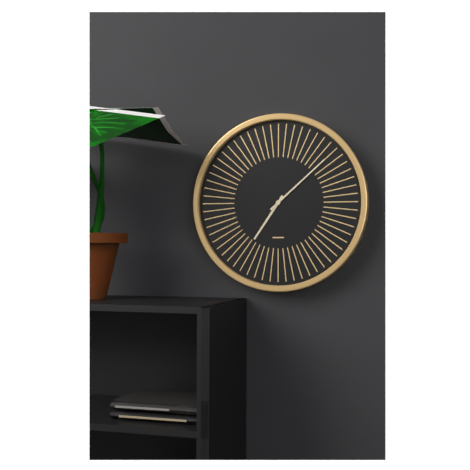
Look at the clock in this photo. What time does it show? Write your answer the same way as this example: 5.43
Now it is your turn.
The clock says 7.08
